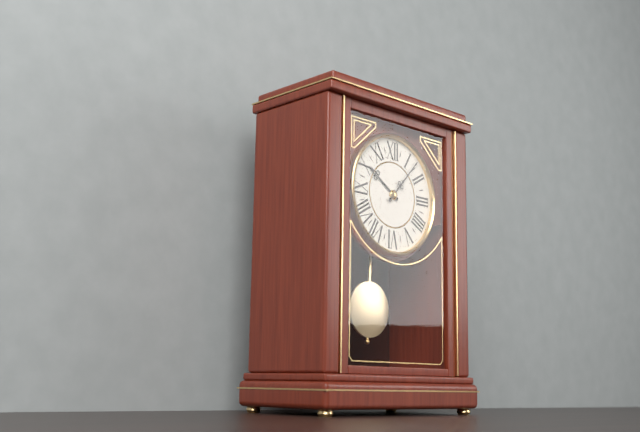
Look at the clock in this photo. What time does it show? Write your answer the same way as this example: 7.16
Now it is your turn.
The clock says 10.07
